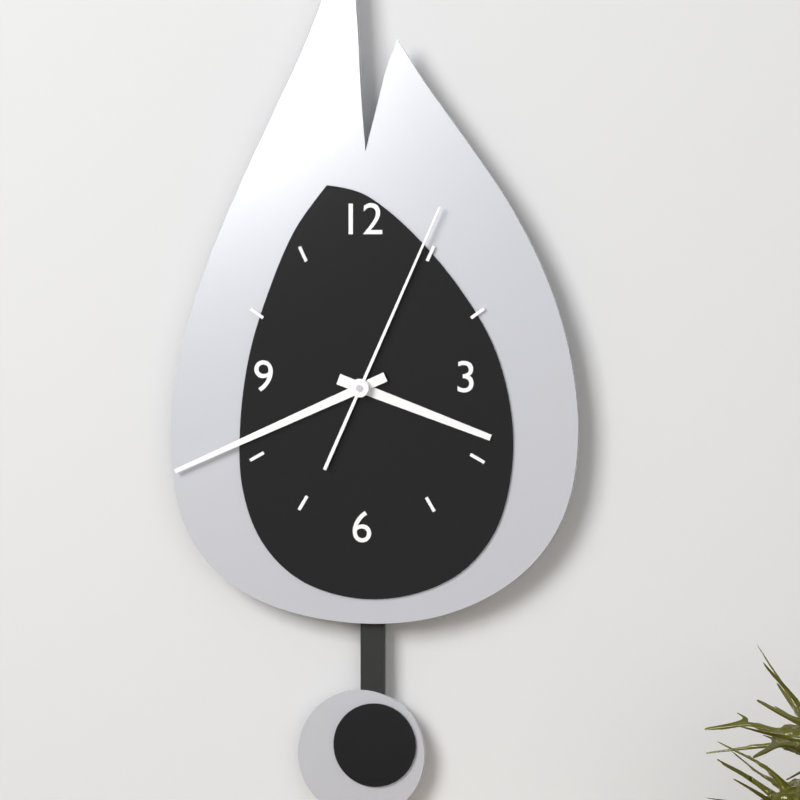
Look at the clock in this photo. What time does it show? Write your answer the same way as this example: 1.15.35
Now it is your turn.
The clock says 3.41.04
